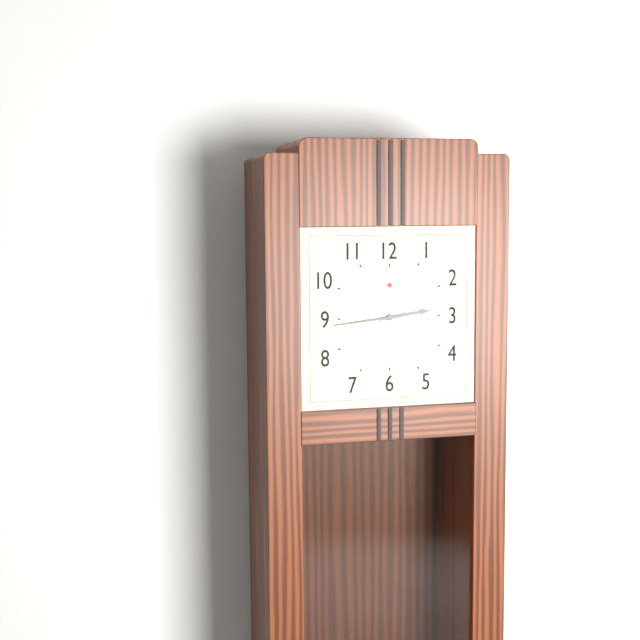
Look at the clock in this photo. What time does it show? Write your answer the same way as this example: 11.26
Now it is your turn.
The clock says 2.44
